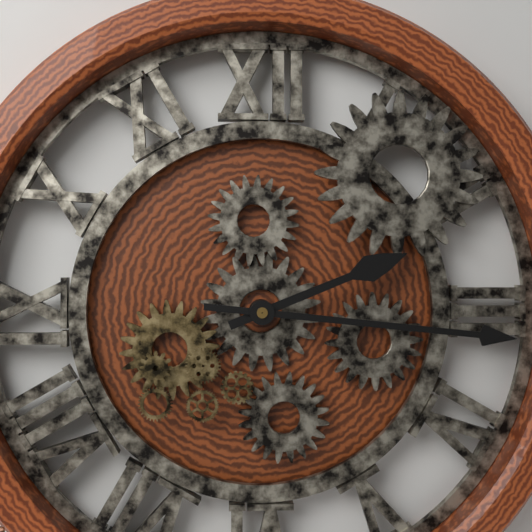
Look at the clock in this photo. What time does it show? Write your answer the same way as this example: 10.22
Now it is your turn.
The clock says 2.16
